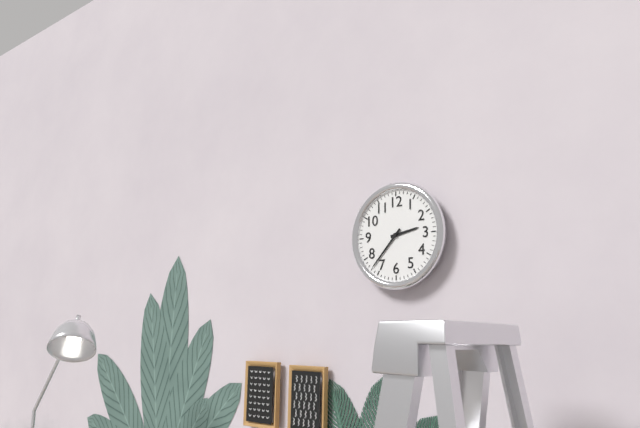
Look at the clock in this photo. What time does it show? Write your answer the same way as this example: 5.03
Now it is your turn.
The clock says 2.37
